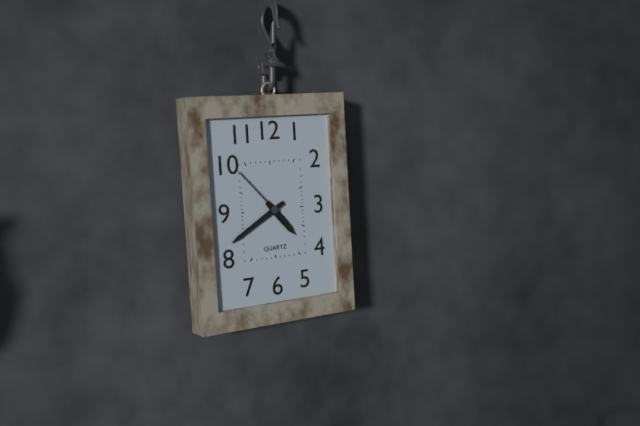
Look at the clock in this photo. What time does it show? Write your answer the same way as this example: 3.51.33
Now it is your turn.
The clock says 4.40.53
